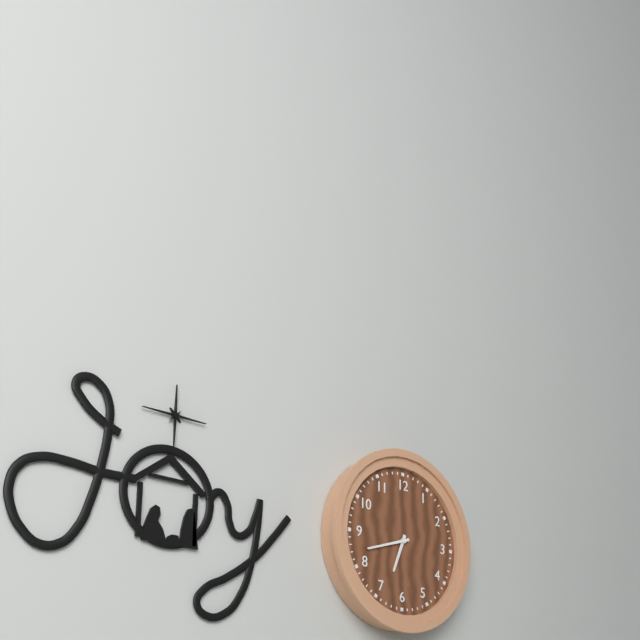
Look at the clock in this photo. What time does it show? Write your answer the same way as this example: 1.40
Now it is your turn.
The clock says 6.42
